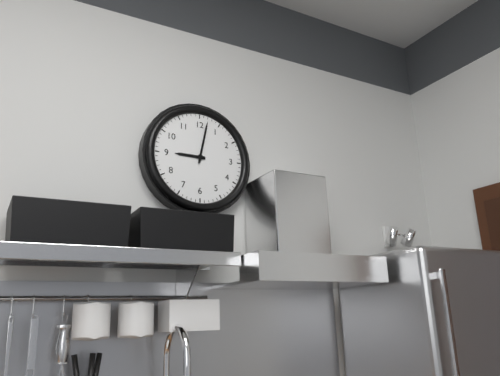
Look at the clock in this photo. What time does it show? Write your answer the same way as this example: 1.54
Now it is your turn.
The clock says 9.02
